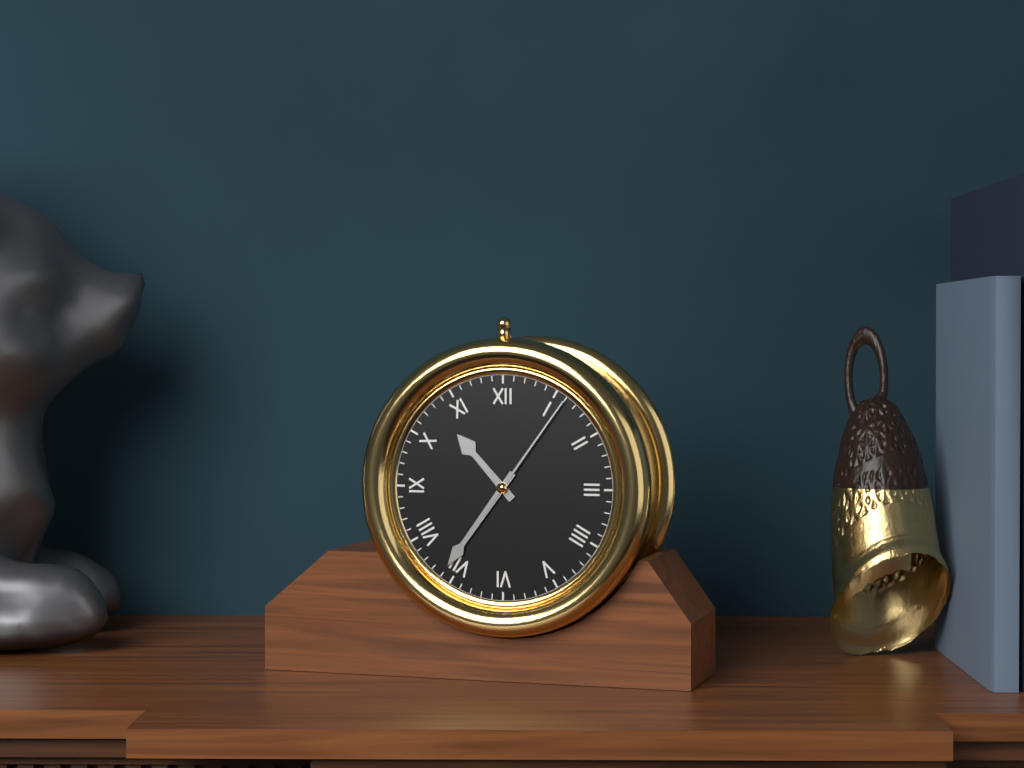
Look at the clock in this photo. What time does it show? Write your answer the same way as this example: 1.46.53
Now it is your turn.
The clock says 10.36.06
